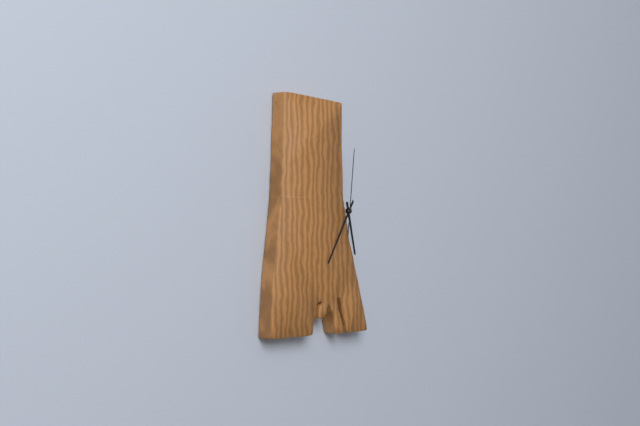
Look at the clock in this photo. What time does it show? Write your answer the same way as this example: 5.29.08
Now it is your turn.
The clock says 5.35.01
